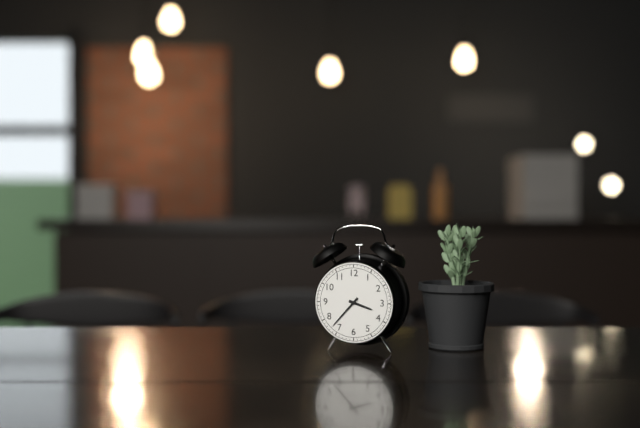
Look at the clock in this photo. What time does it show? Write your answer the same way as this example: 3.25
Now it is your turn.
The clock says 3.37
